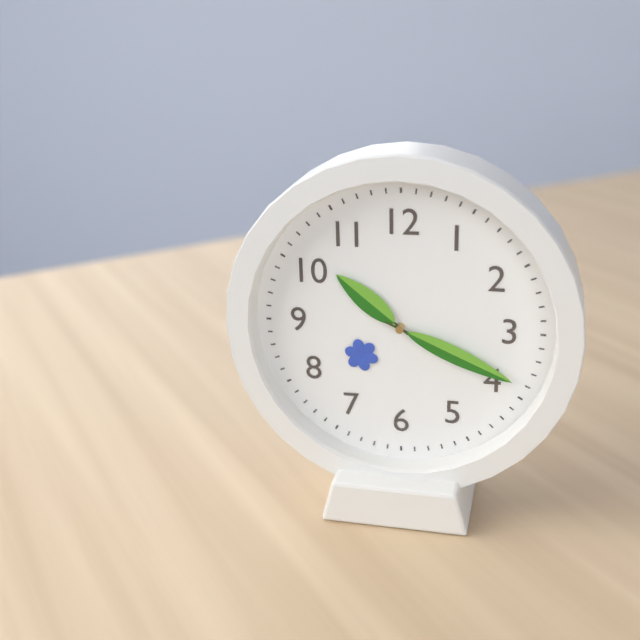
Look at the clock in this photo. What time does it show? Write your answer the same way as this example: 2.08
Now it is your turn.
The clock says 10.19
